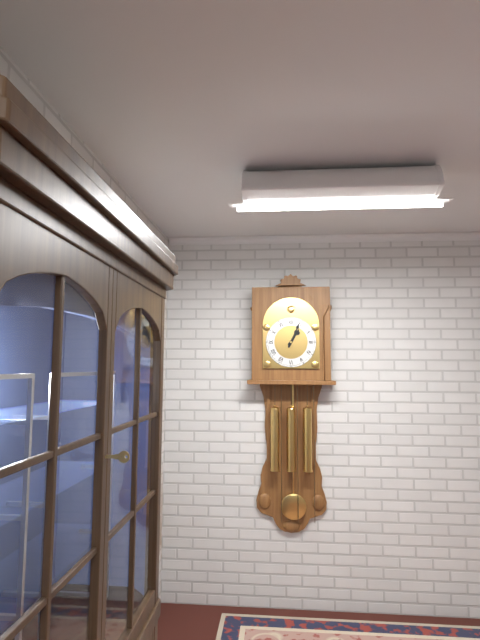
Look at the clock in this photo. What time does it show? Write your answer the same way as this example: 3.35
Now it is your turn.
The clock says 1.04
